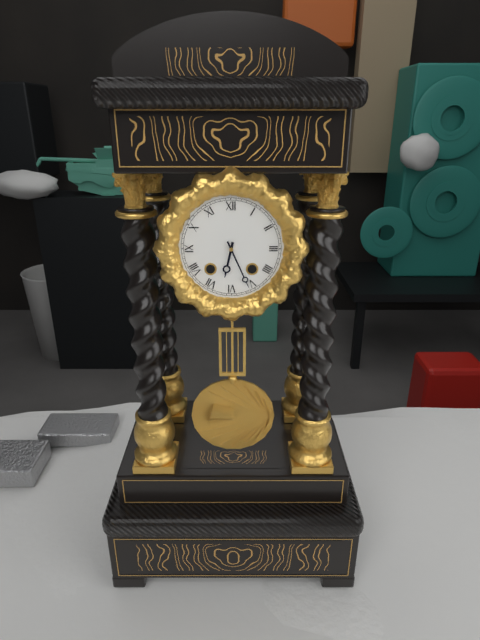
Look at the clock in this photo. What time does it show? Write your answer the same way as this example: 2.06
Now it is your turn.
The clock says 6.26
